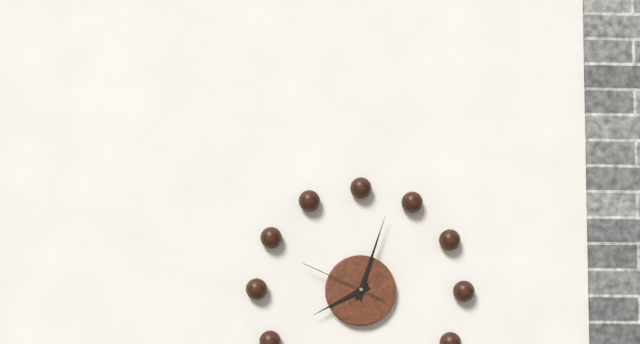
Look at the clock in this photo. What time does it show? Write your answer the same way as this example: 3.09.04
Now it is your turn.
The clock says 8.03.49
